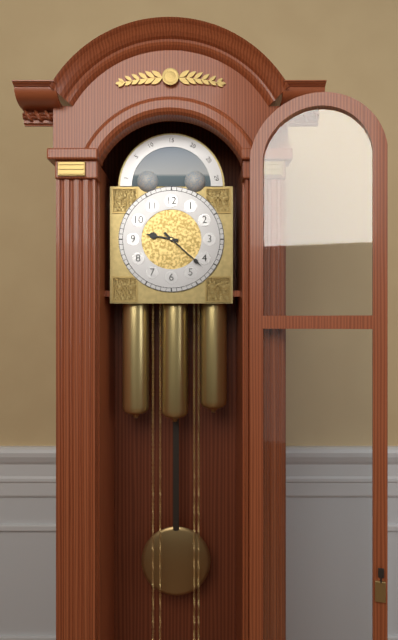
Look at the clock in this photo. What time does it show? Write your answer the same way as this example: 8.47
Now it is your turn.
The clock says 9.22
